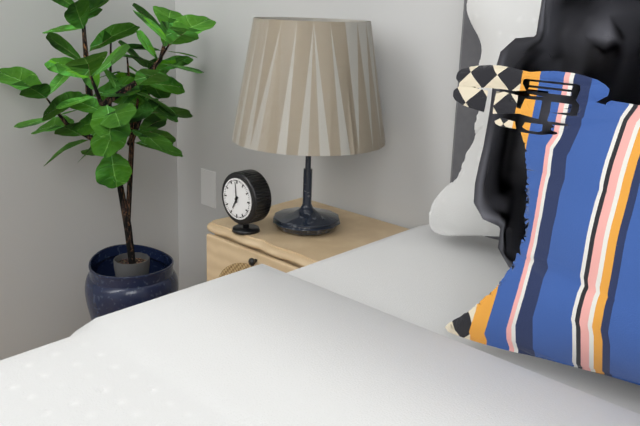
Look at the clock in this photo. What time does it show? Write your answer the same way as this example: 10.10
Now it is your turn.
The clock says 6.59
